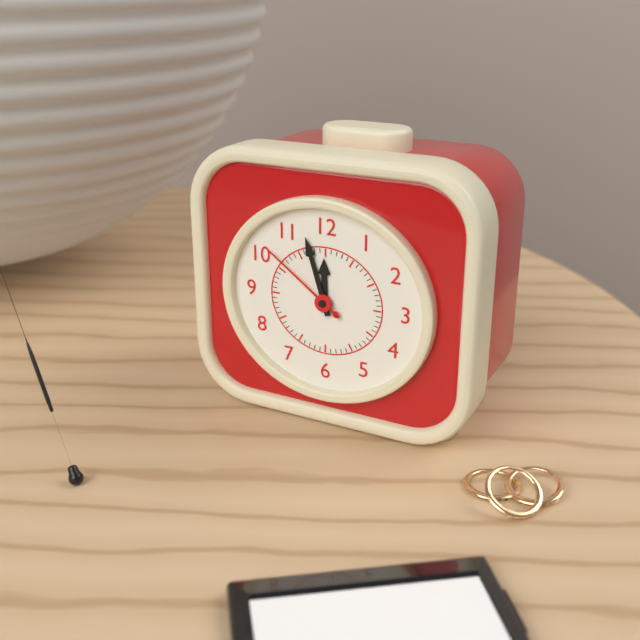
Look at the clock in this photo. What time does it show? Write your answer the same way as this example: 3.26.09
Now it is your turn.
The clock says 11.57.51
